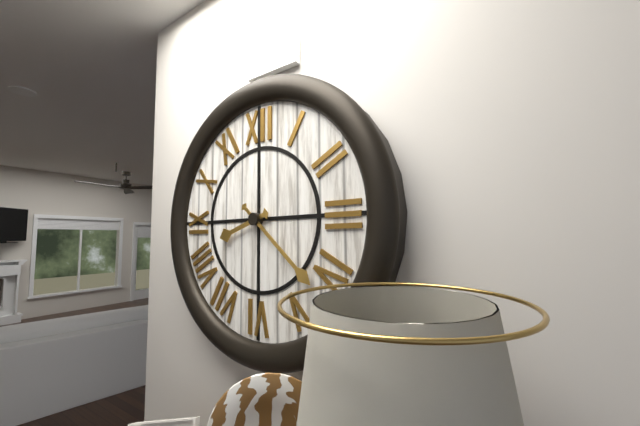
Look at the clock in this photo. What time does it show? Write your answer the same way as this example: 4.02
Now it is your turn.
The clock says 8.22
